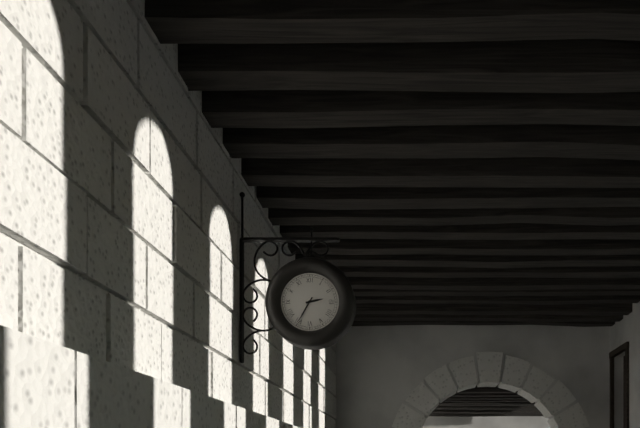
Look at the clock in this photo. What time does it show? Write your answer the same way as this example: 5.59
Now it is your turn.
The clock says 2.35
